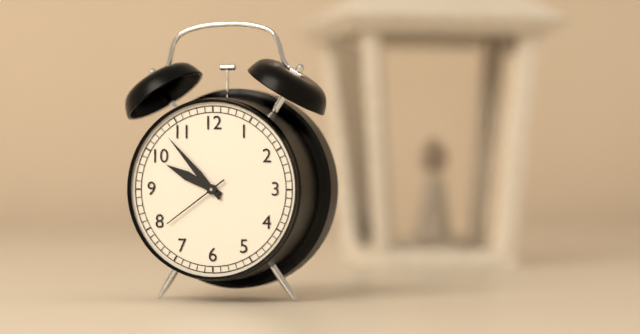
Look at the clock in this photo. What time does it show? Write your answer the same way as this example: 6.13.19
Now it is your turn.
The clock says 9.53.39
